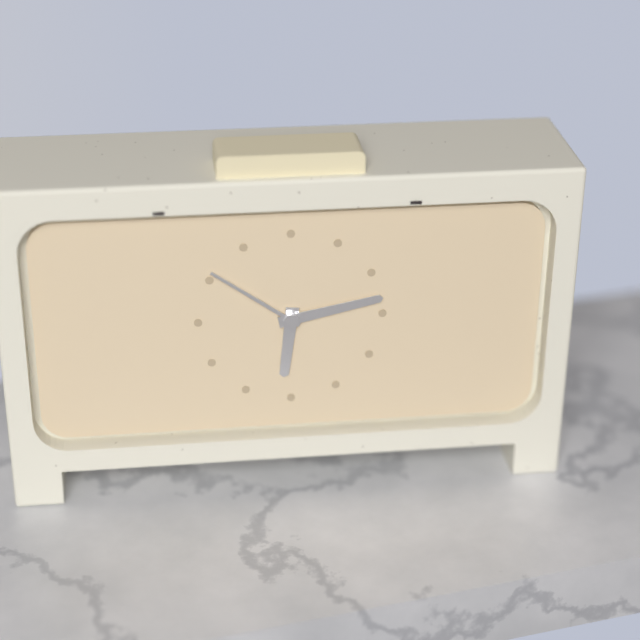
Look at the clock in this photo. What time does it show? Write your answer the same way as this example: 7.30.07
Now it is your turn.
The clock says 6.13.51
